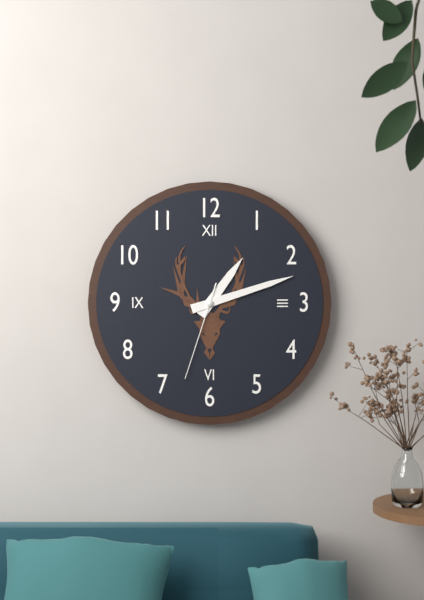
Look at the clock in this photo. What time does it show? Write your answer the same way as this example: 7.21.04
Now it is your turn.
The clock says 1.12.33
